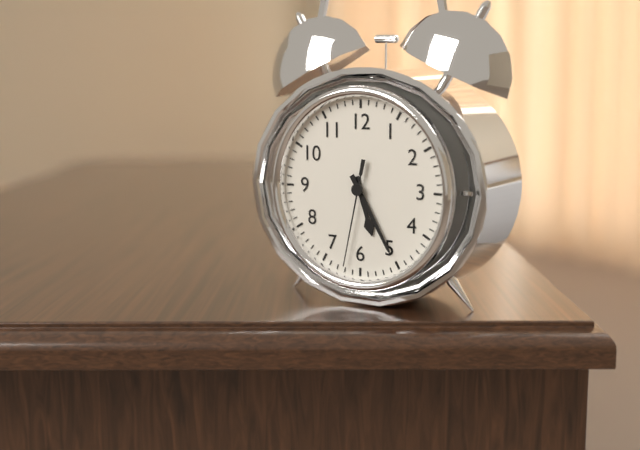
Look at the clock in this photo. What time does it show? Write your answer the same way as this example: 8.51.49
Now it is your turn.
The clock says 5.25.32
